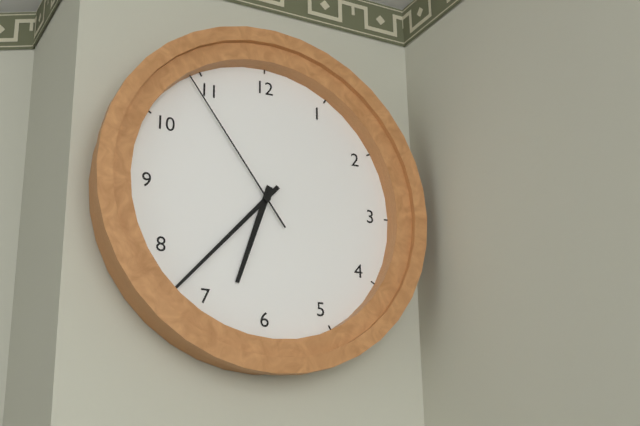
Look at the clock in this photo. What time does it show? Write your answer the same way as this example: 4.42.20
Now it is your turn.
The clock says 6.37.54
